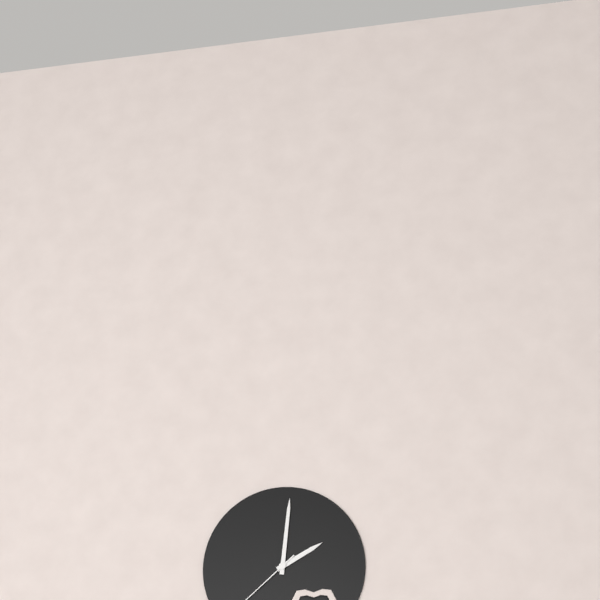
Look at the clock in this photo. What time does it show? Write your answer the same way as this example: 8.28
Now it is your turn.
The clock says 2.01
